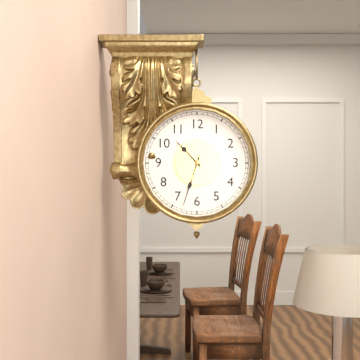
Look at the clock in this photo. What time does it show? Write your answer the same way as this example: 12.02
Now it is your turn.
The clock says 10.33
